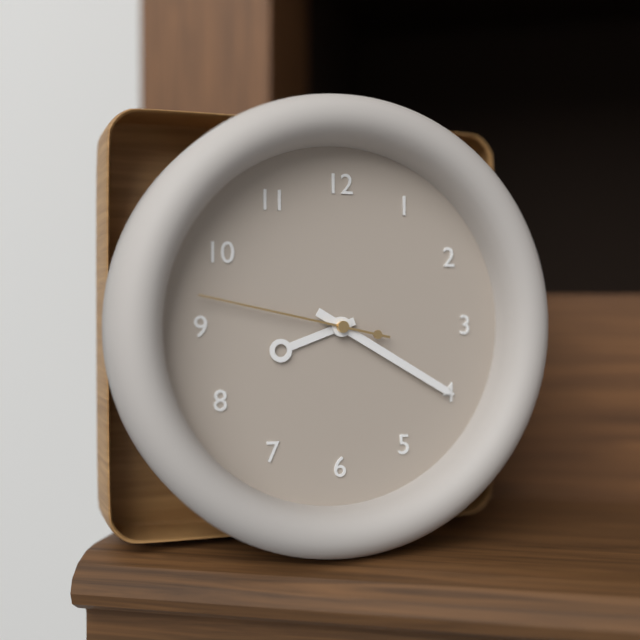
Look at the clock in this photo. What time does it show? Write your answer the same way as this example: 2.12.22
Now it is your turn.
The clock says 8.20.47
